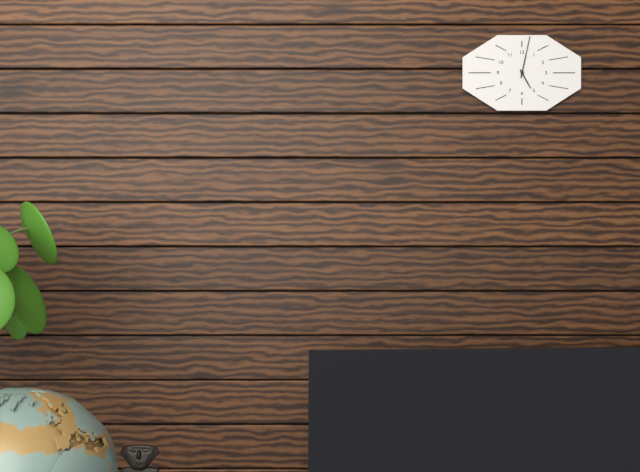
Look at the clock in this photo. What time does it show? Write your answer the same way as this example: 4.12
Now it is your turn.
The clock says 5.02
